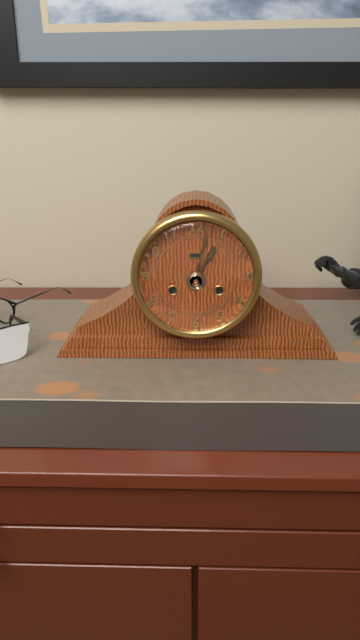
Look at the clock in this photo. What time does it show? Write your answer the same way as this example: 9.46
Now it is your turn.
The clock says 1.02
